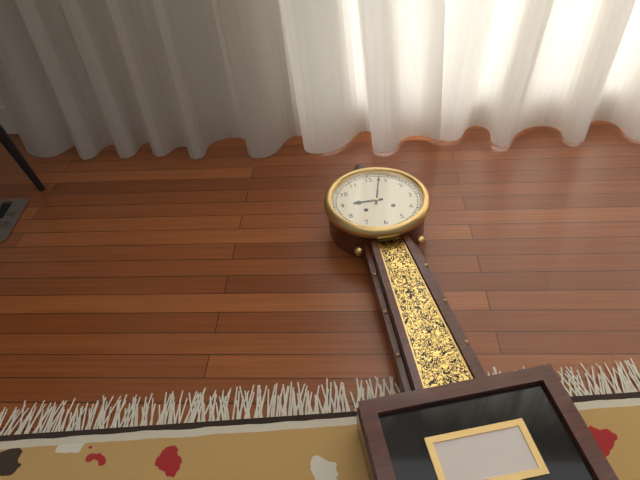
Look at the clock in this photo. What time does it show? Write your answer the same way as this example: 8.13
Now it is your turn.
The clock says 9.03
